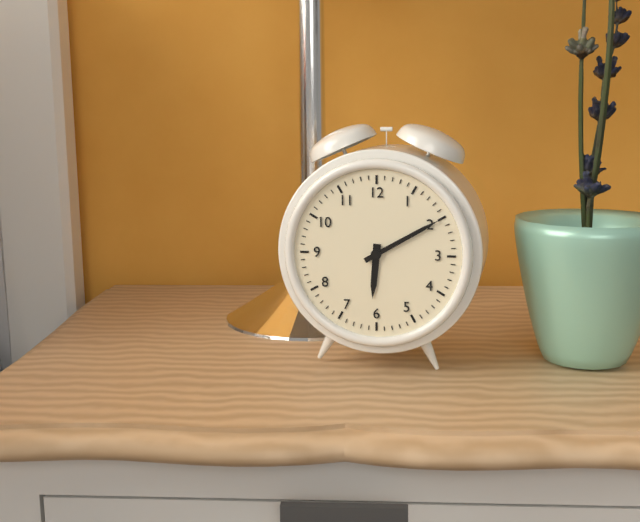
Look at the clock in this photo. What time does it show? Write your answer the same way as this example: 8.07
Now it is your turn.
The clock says 6.10
